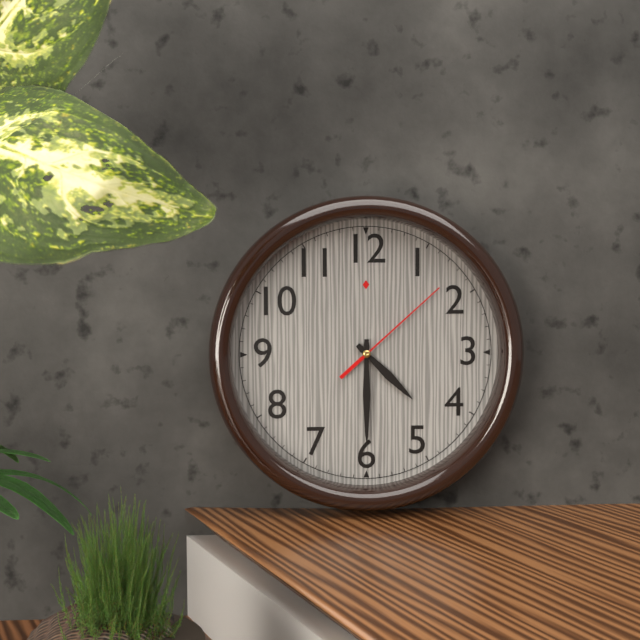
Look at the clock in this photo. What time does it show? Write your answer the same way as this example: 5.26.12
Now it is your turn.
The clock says 4.30.08
